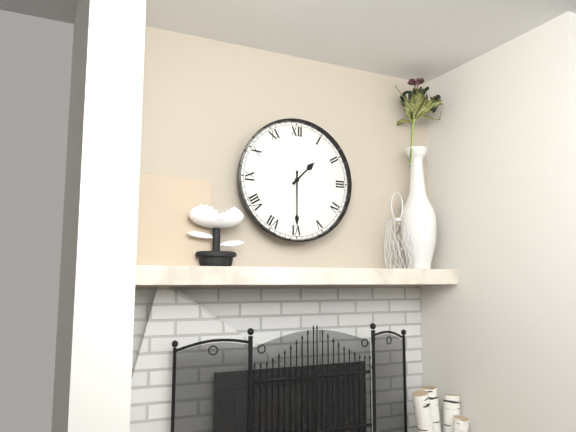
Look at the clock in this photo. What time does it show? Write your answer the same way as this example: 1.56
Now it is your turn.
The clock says 1.30
